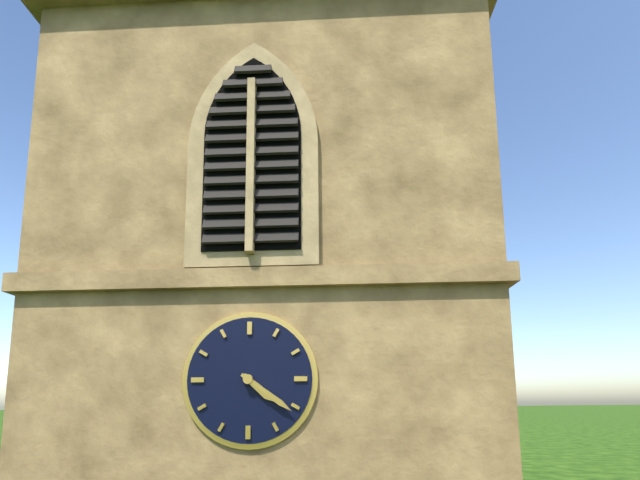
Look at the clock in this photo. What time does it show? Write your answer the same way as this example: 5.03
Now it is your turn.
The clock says 4.21
